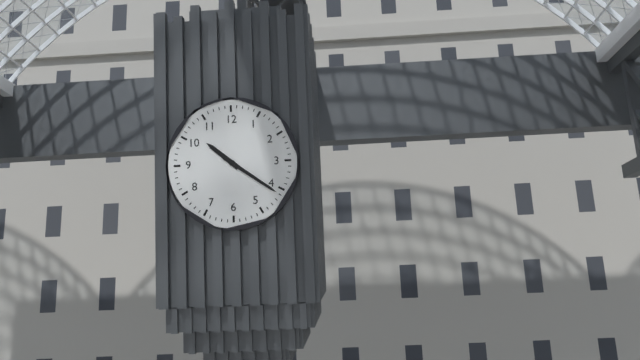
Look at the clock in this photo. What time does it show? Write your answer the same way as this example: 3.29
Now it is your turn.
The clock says 10.21
